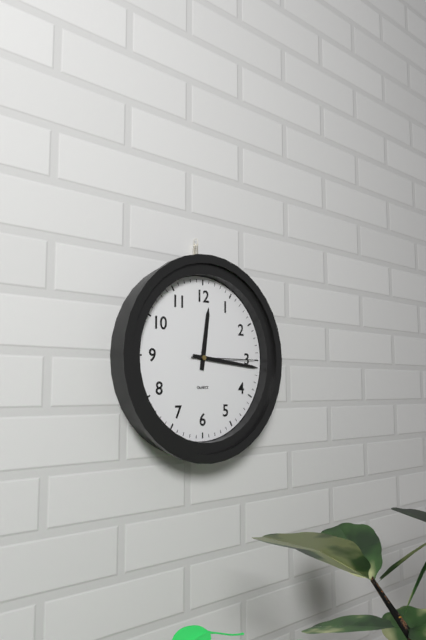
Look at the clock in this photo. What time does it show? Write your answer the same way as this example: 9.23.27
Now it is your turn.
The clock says 12.16.15
